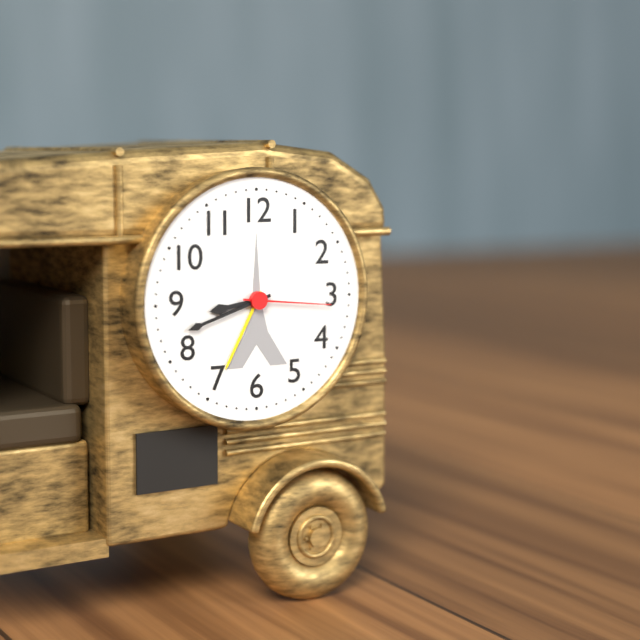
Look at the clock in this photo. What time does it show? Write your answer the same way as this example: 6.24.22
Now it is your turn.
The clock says 8.42.16
